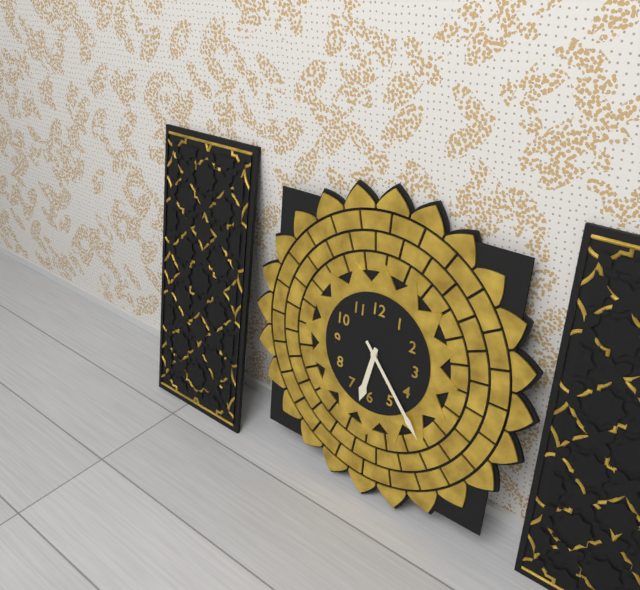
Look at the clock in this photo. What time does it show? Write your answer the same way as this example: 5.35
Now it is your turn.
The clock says 6.23
